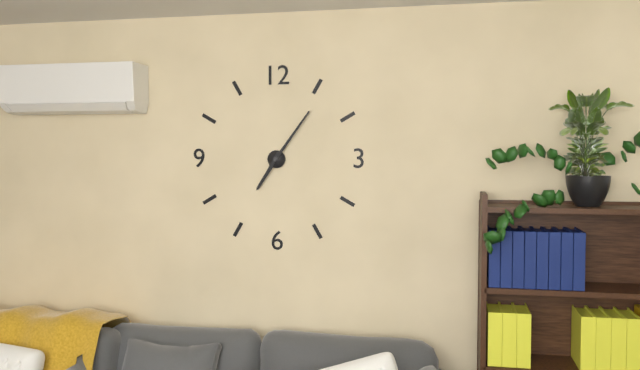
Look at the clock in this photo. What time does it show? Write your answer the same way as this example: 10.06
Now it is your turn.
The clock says 7.06
